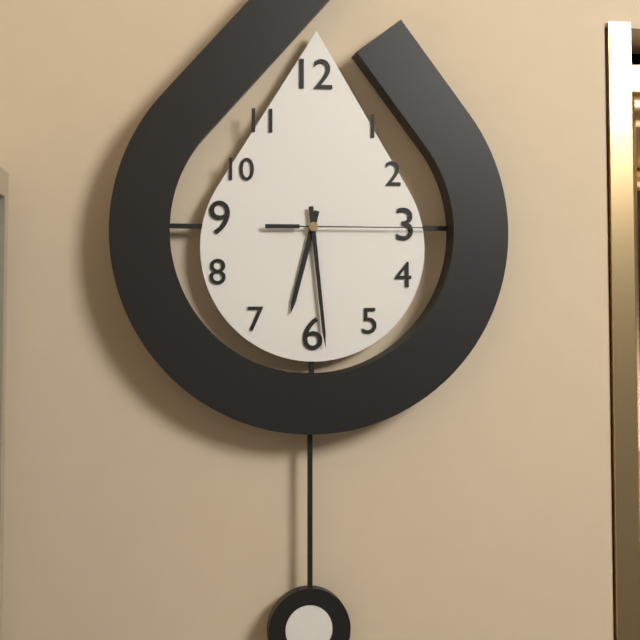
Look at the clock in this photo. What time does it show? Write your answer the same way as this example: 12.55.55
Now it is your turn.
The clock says 6.29.15
